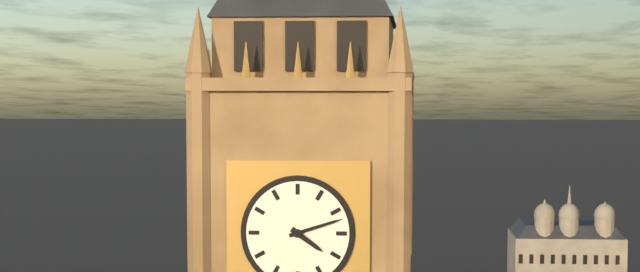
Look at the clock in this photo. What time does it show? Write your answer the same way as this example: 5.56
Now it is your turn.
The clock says 4.12
